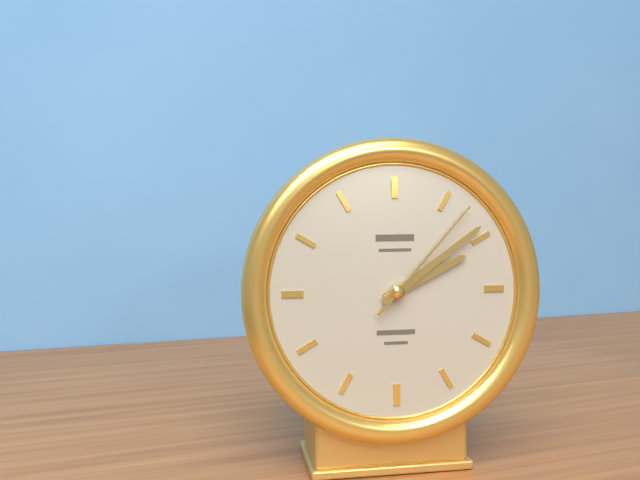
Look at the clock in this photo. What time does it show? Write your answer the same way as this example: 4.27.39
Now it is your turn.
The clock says 2.09.07
